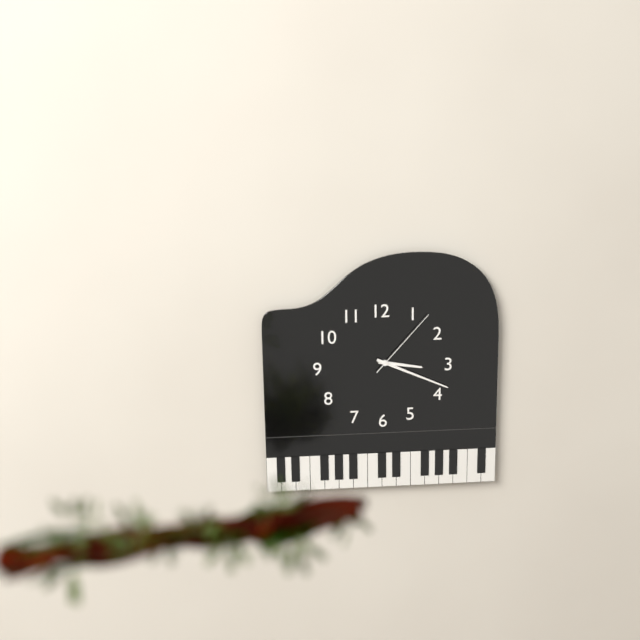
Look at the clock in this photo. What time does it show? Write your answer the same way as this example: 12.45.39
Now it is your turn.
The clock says 3.19.07
